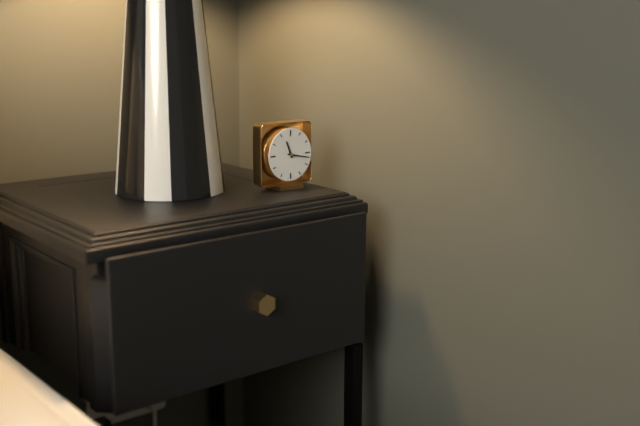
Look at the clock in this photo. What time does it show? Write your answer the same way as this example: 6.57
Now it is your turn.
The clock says 11.17
